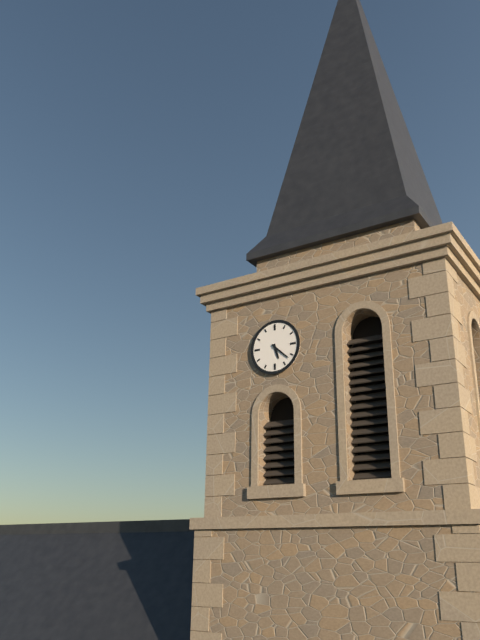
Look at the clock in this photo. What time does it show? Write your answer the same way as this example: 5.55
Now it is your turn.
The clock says 5.22
